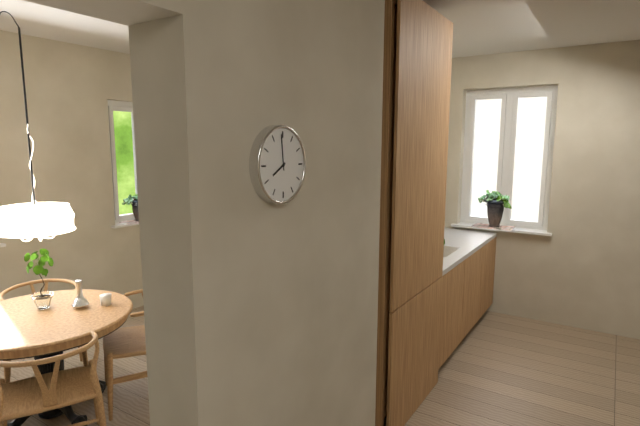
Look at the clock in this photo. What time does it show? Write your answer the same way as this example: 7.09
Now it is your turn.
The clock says 7.59
